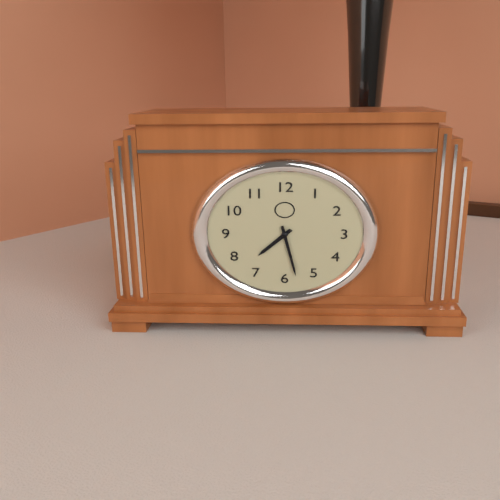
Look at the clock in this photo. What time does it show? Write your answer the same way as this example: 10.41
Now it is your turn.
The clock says 7.28
